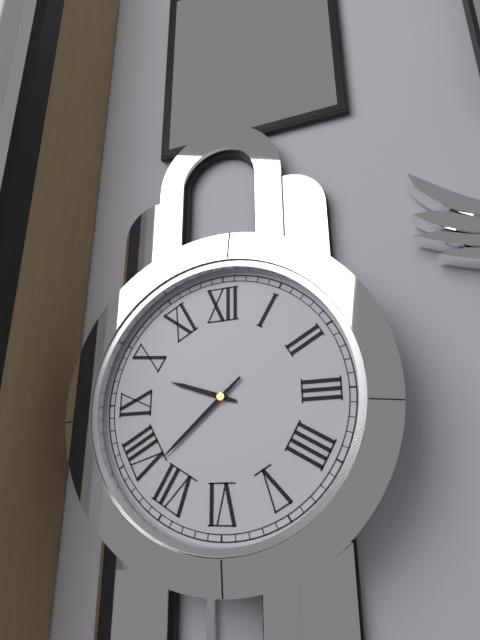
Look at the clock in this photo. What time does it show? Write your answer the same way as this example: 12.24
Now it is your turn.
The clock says 9.38
